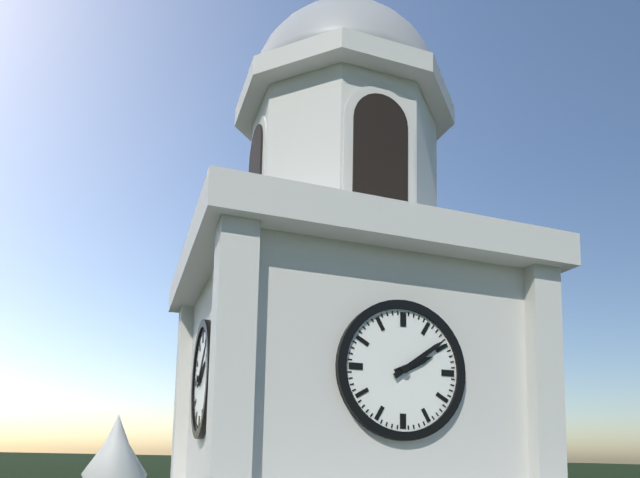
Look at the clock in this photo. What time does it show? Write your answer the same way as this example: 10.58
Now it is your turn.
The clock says 2.09
